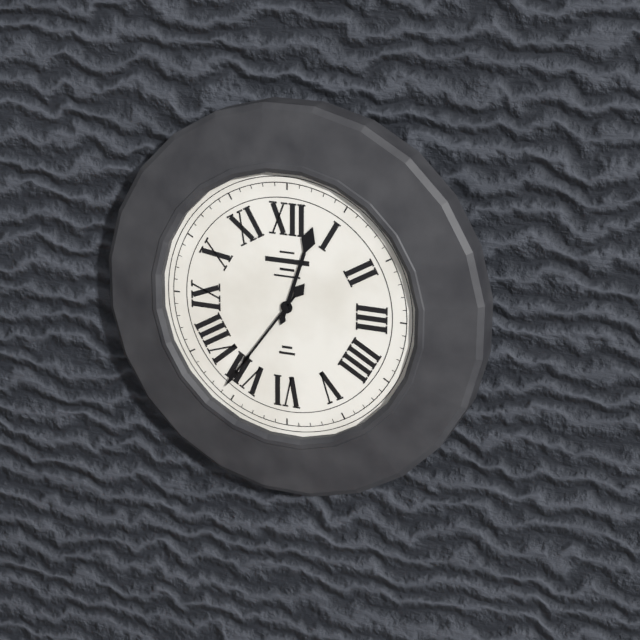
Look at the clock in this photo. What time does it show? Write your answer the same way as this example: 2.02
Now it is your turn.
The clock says 12.36
